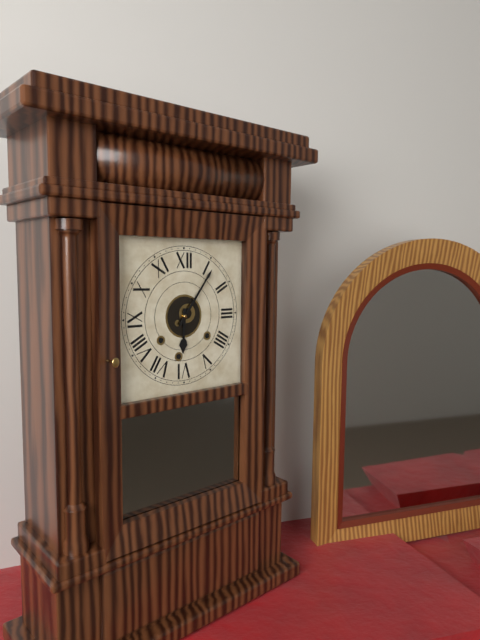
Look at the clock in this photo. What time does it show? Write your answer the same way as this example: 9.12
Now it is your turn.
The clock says 6.06
